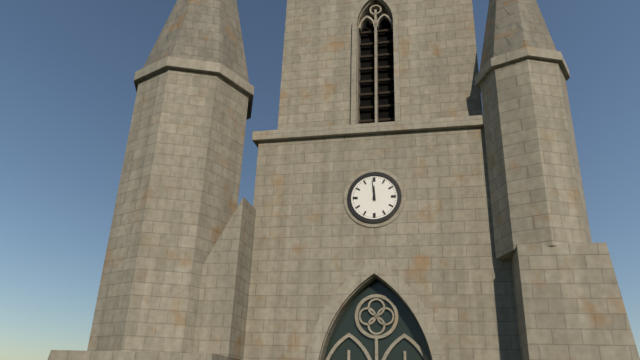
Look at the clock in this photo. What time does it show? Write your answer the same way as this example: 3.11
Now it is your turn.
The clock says 11.59
